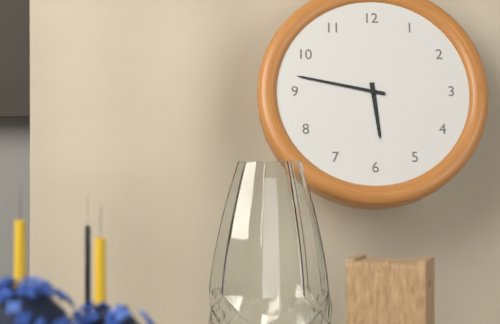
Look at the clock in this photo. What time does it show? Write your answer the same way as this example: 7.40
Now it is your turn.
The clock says 5.47
